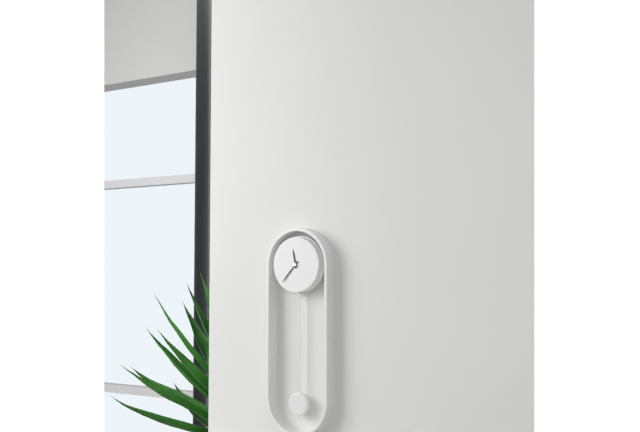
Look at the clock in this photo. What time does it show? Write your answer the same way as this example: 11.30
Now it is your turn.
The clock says 11.37
